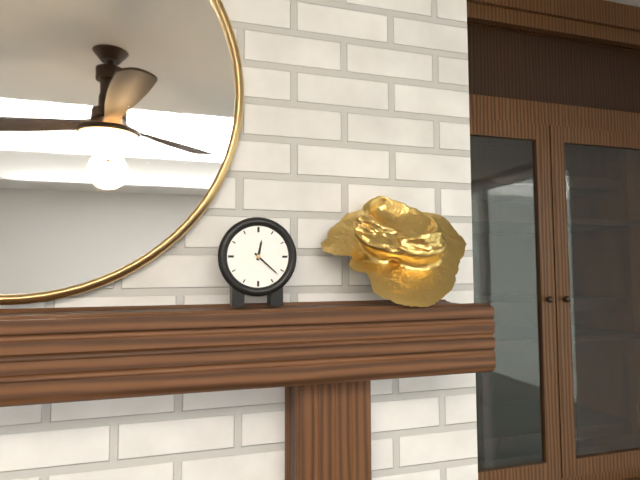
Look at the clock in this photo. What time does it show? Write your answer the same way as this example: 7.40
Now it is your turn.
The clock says 12.22
